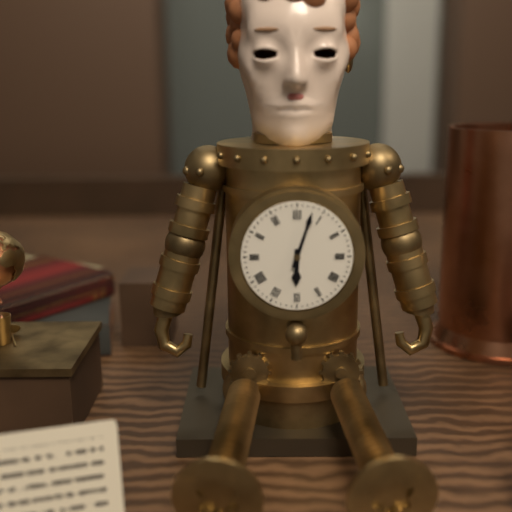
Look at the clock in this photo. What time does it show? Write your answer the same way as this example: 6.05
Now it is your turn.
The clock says 6.03
